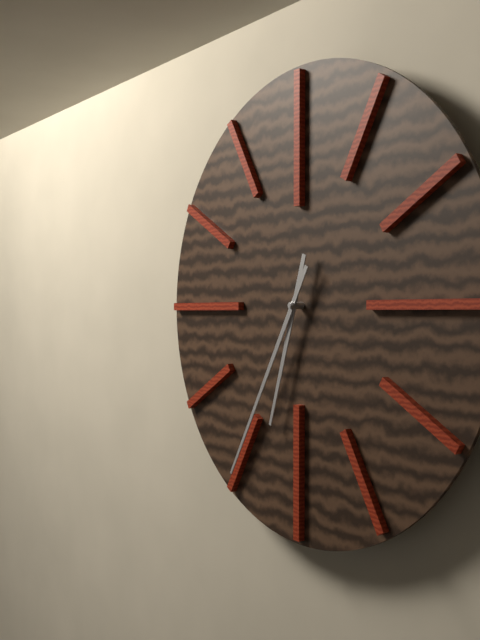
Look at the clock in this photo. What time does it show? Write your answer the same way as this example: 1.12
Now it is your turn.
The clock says 6.35
